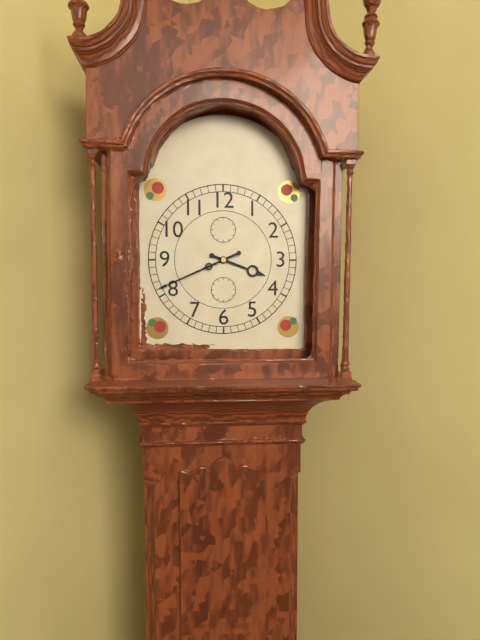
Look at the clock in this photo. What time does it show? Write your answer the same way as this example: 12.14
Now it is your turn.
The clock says 3.41
